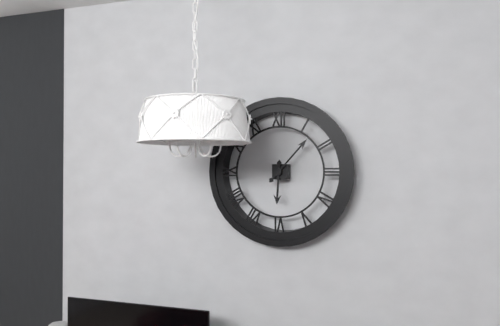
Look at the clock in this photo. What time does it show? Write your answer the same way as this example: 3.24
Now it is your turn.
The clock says 6.07
